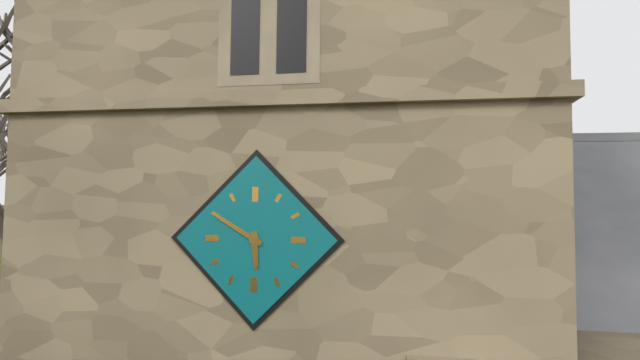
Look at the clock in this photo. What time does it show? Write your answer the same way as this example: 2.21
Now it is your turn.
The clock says 5.50
